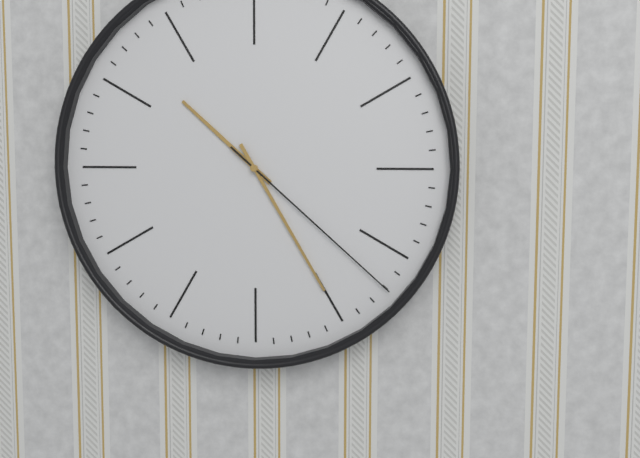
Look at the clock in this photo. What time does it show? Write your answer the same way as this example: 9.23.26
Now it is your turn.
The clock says 10.25.22
